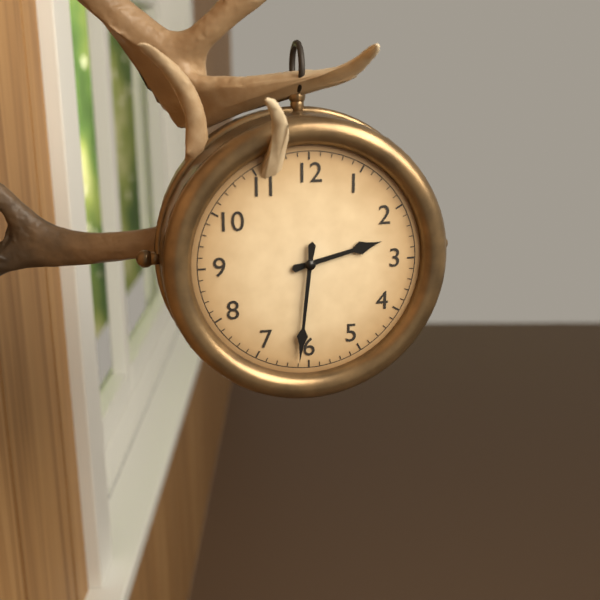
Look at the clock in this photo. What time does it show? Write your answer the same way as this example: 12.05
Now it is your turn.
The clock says 2.31
